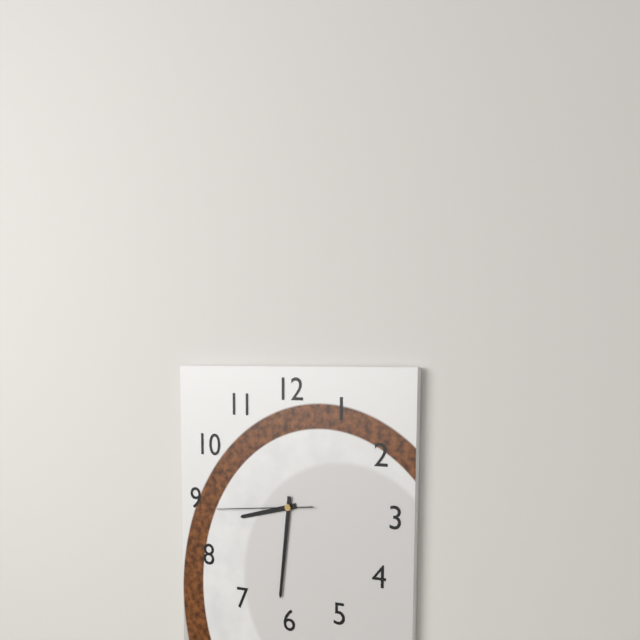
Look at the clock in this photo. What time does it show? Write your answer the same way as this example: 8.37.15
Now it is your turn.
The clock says 8.31.44
